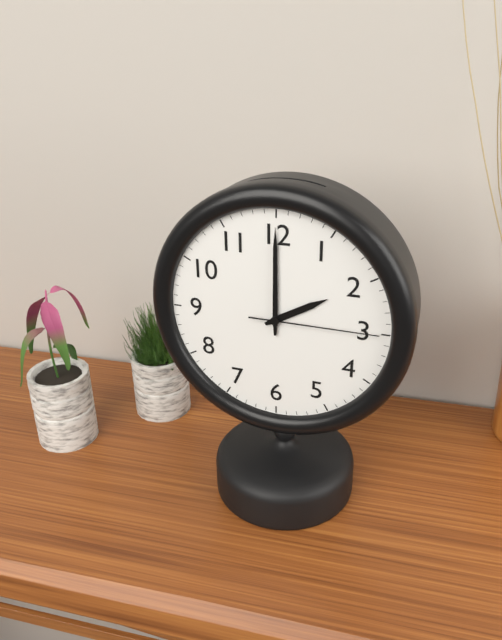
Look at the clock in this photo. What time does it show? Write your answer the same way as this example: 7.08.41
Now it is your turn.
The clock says 2.00.15
